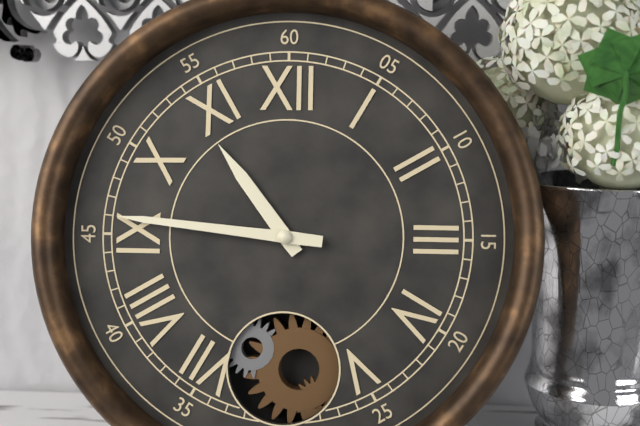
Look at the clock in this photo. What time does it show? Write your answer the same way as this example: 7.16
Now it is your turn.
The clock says 10.46
